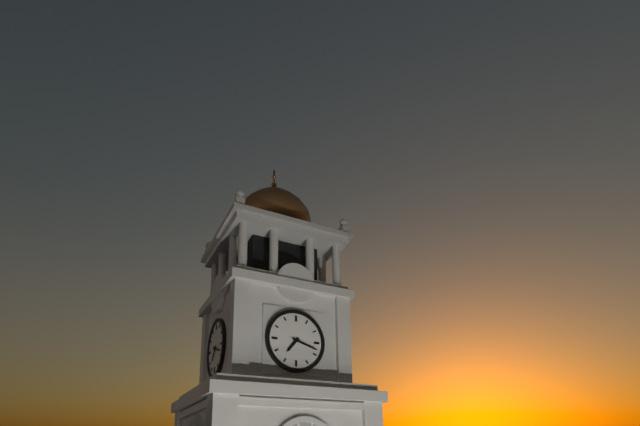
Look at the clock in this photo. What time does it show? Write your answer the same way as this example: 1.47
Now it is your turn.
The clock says 7.18
